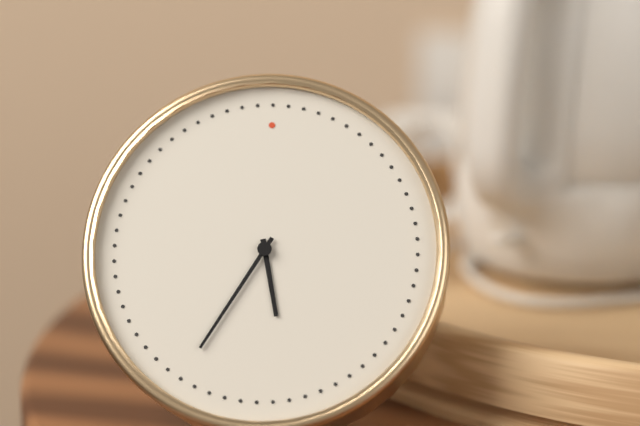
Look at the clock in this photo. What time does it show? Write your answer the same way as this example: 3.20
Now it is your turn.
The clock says 5.35
